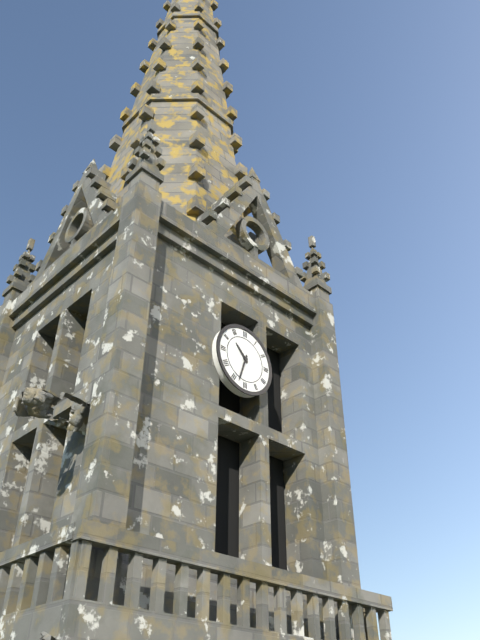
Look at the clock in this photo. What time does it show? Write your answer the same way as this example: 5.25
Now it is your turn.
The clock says 10.33
